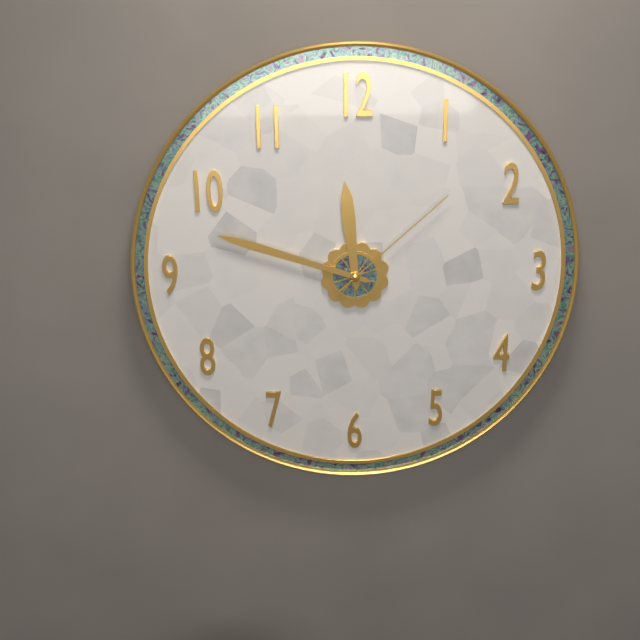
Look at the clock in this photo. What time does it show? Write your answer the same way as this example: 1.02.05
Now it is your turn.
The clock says 11.48.08
